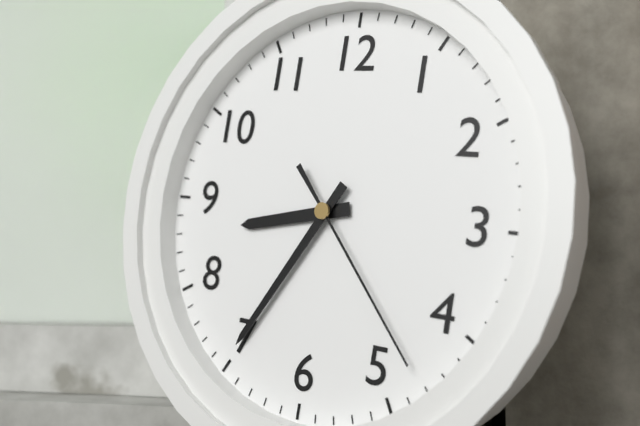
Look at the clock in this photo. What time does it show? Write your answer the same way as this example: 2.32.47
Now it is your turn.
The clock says 8.35.23
